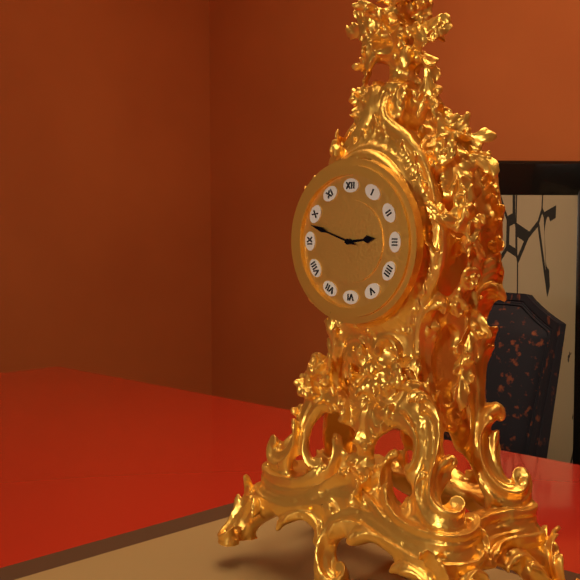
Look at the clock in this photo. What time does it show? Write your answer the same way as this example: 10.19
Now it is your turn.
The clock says 2.48
